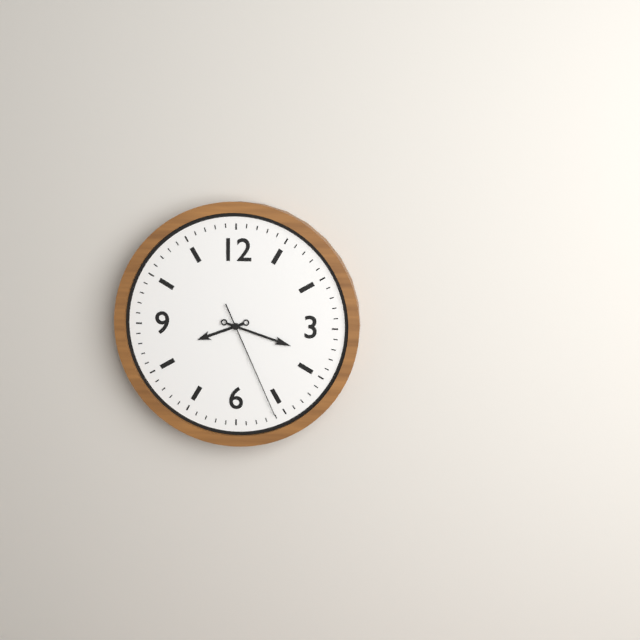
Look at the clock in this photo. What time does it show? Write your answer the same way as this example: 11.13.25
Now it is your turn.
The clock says 8.18.26
